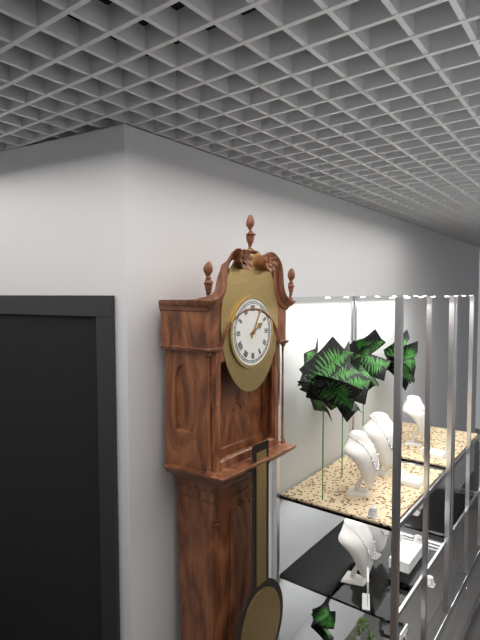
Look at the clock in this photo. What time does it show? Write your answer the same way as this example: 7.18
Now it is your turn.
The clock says 2.05
